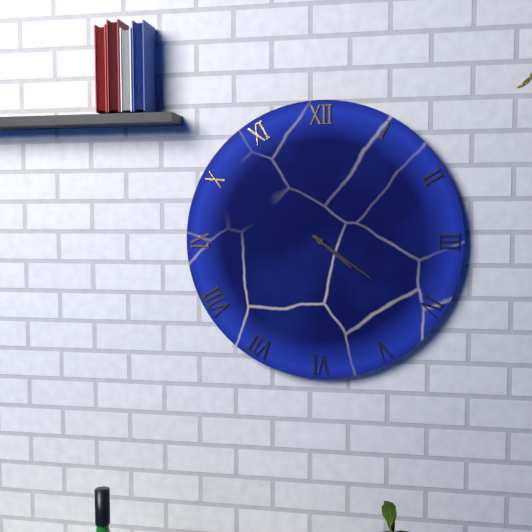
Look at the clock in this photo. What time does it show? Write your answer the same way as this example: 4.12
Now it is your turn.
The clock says 4.21
